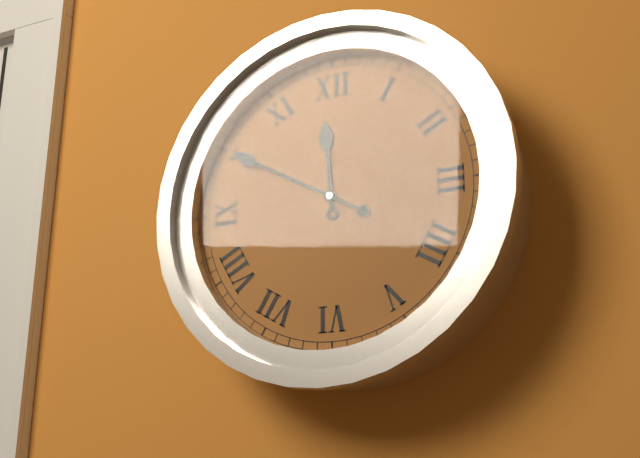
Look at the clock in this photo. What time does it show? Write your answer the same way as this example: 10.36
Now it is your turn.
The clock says 11.50
